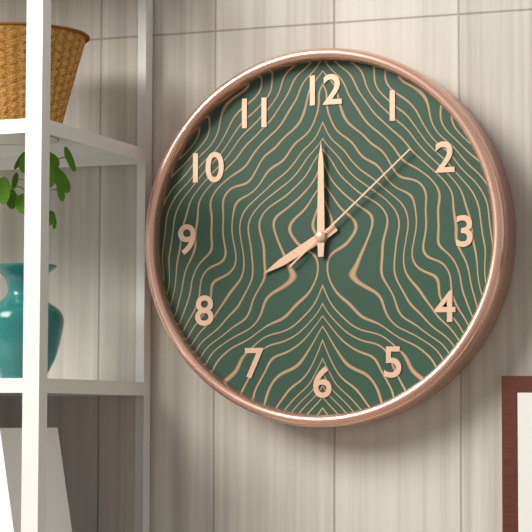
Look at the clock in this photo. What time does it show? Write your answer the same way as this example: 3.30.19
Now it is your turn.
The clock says 8.00.08
